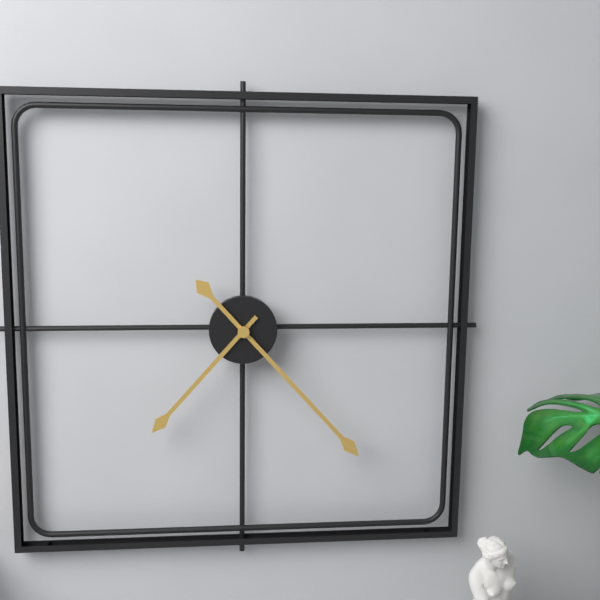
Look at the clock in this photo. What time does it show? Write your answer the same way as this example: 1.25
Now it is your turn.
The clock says 7.23
